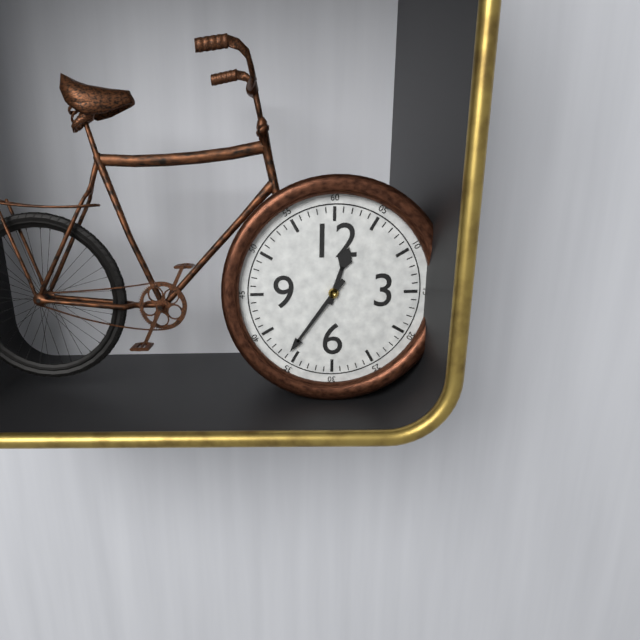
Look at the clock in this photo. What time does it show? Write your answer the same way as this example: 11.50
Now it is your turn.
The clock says 12.36
